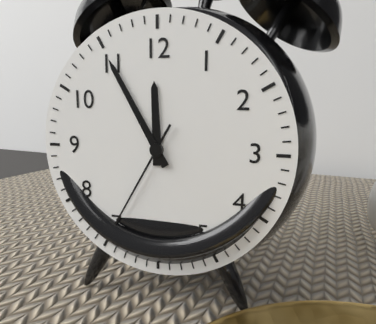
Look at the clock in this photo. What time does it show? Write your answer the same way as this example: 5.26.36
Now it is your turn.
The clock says 11.55.35
